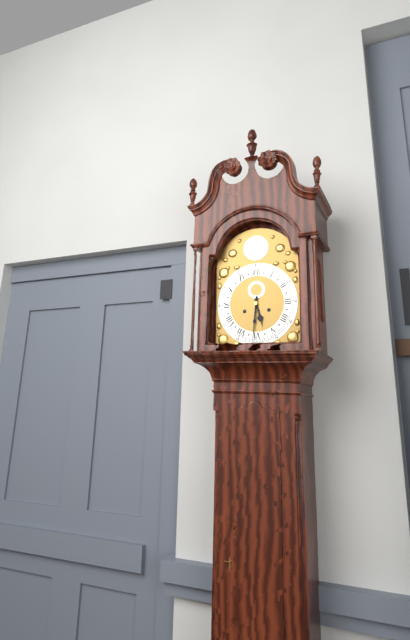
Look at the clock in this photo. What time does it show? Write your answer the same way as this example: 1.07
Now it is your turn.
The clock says 5.31
